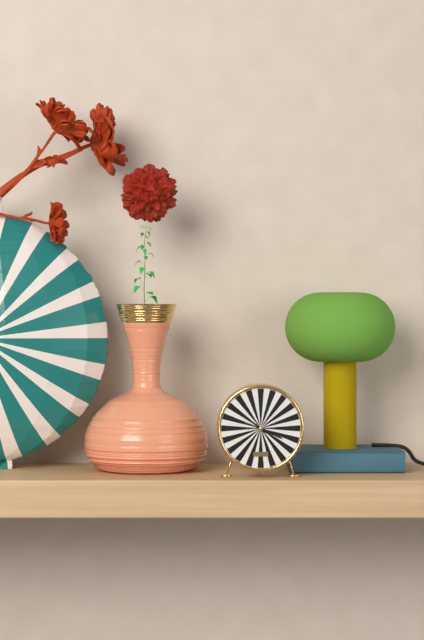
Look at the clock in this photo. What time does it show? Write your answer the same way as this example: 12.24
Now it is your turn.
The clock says 3.51
